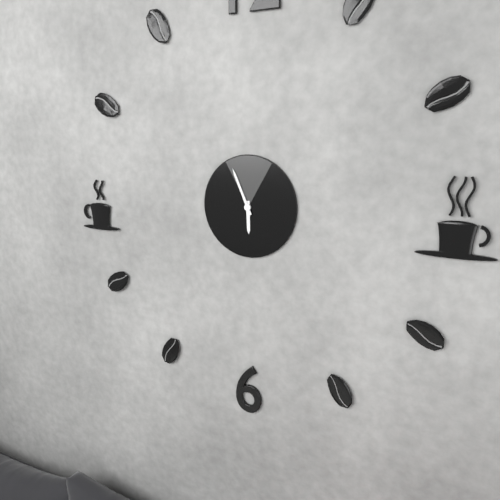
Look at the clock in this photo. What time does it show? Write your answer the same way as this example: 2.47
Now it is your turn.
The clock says 5.56
